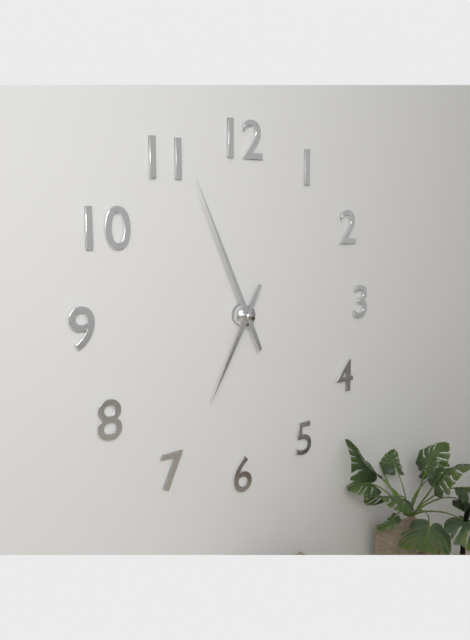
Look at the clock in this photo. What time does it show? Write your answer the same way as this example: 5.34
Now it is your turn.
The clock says 6.56
